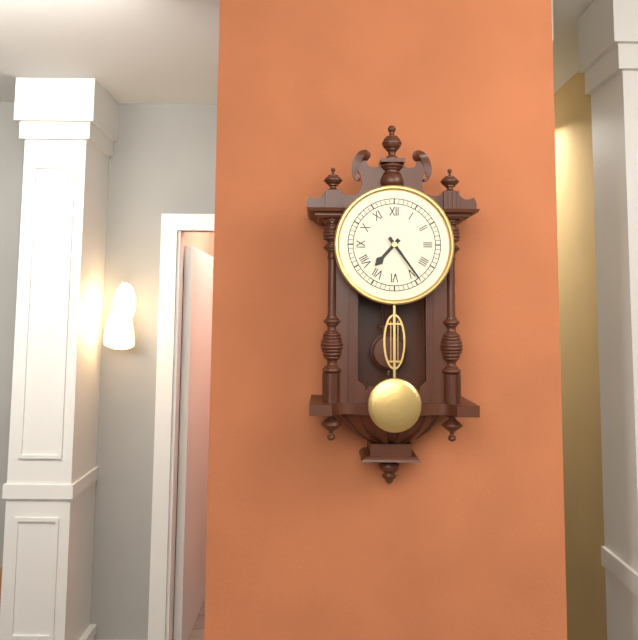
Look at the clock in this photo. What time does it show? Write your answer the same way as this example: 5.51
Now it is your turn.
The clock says 7.24
